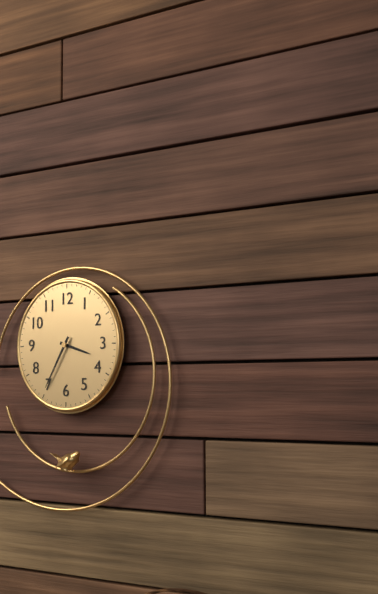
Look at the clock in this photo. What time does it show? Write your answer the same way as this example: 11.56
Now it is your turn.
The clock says 3.35
